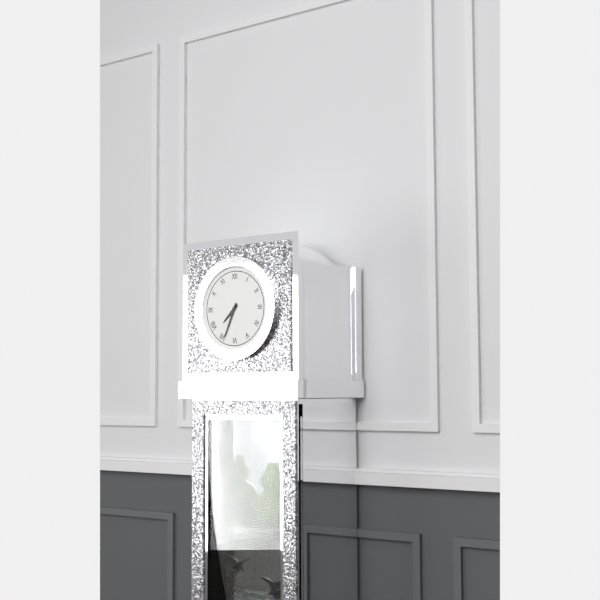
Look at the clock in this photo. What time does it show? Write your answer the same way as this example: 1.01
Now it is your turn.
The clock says 7.34
